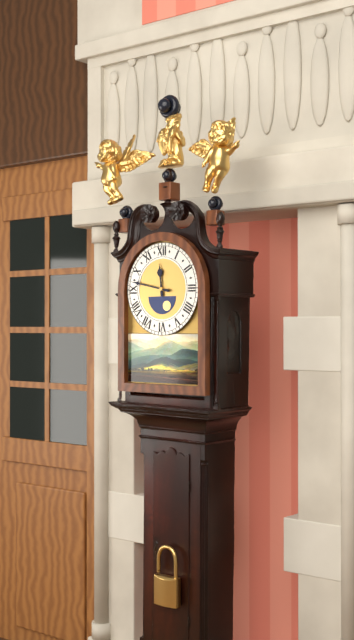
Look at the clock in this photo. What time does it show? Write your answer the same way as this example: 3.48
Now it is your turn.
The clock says 11.47
